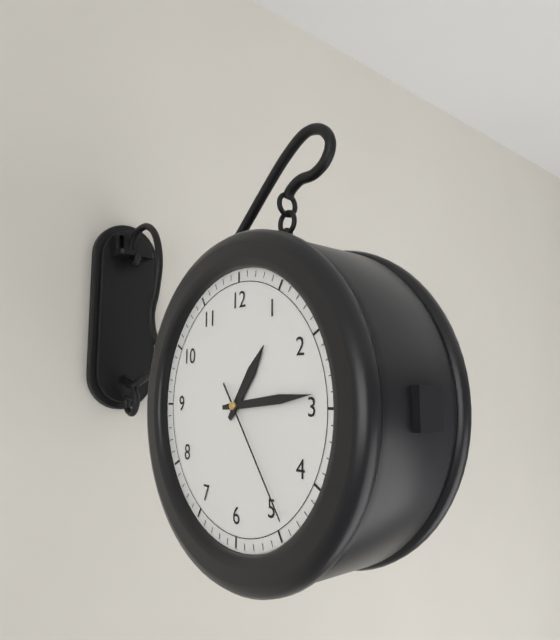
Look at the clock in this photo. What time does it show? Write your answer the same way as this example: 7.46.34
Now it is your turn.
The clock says 1.14.24
